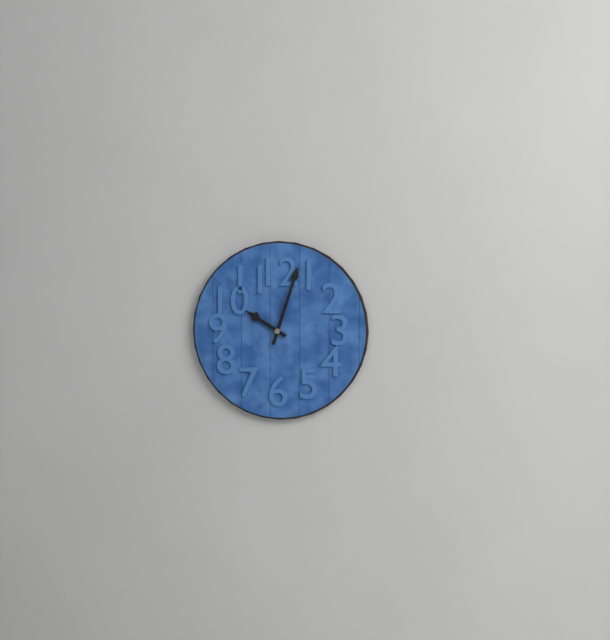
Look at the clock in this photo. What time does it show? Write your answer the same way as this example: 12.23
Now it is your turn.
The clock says 10.03
